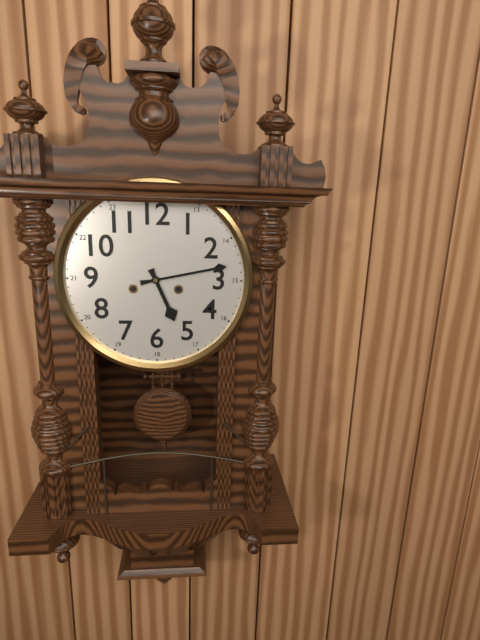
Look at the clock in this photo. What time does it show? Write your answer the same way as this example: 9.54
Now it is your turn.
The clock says 5.13
